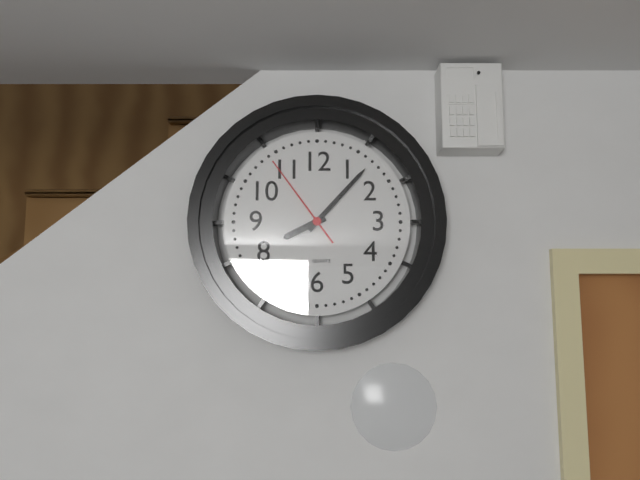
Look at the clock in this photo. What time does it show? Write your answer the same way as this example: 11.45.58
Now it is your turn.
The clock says 8.07.54
